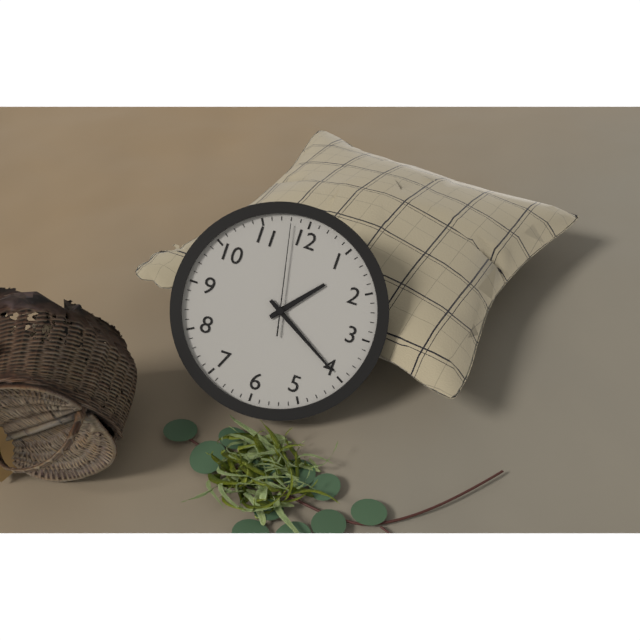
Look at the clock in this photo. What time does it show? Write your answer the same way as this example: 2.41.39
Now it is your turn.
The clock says 1.20.58
